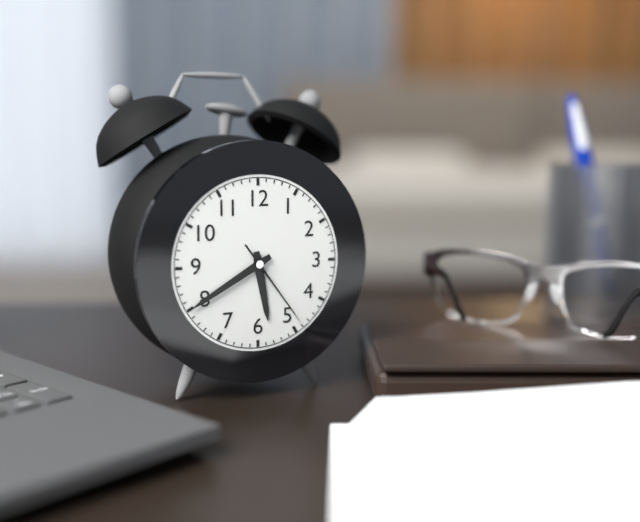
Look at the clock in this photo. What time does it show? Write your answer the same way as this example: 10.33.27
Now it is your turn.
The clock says 5.40.24
